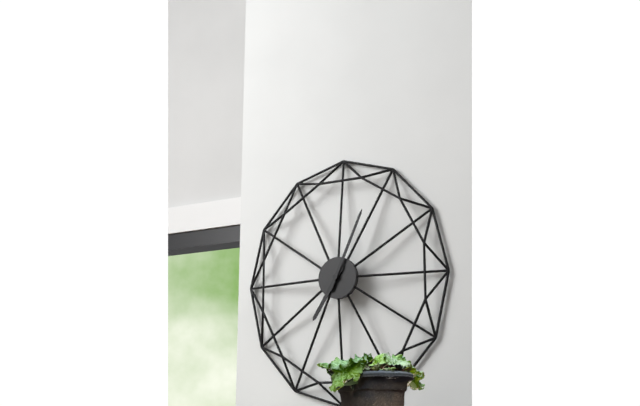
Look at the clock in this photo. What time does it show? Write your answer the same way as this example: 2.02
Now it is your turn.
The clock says 7.04
